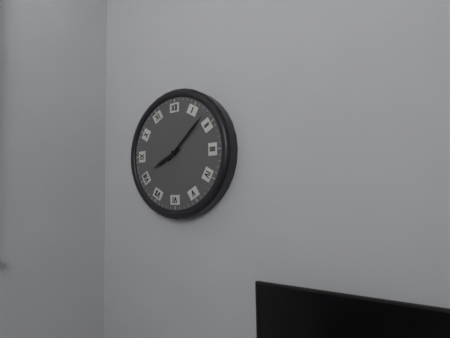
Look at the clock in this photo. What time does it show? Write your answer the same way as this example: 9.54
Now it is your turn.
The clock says 8.08
